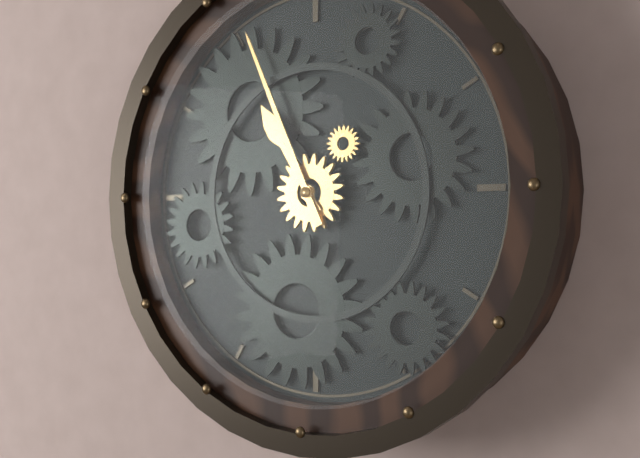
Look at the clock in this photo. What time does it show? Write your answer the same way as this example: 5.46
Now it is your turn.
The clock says 10.56
